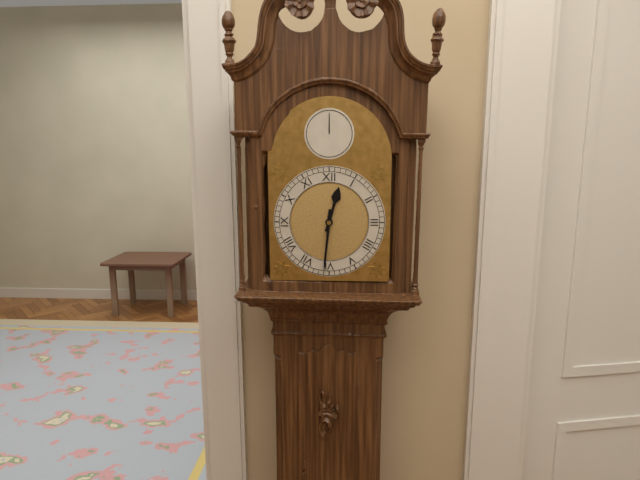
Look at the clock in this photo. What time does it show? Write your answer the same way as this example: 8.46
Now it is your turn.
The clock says 12.31
